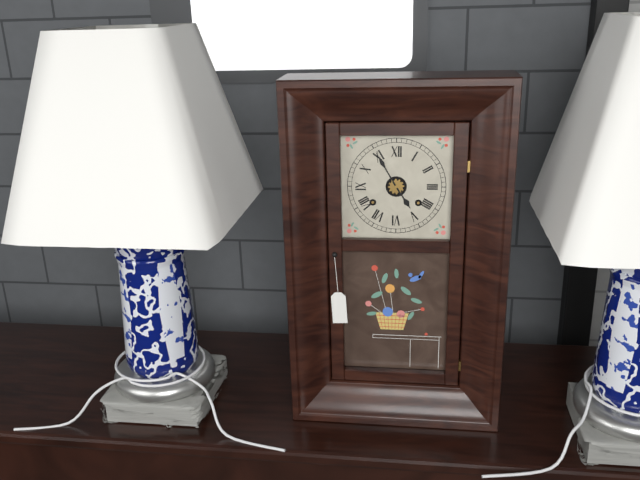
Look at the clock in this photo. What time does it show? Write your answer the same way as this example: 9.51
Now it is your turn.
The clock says 4.55
